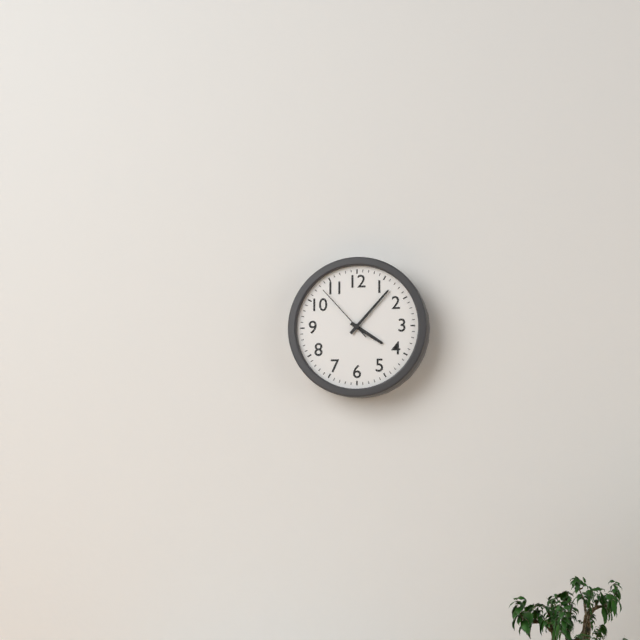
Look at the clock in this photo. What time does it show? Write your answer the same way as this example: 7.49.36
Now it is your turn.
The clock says 4.07.53
